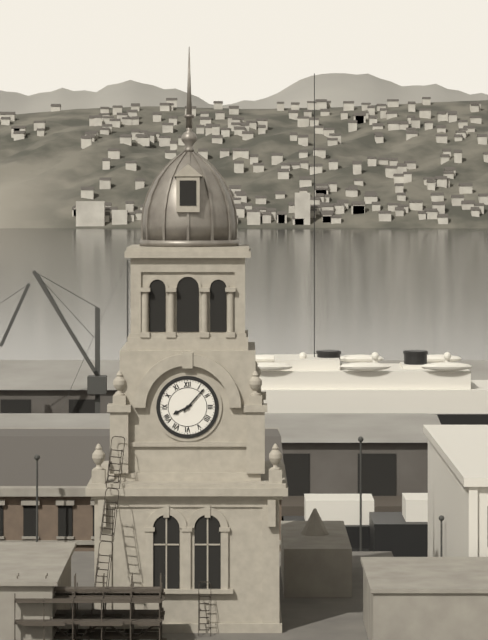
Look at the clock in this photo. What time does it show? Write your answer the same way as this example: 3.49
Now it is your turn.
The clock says 8.07
